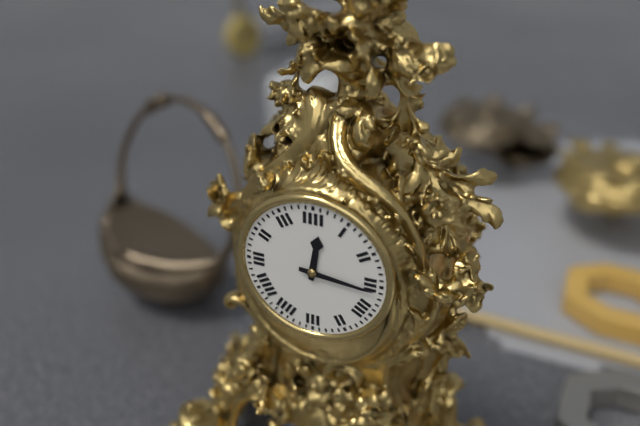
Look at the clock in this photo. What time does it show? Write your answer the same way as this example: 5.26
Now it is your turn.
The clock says 12.16
